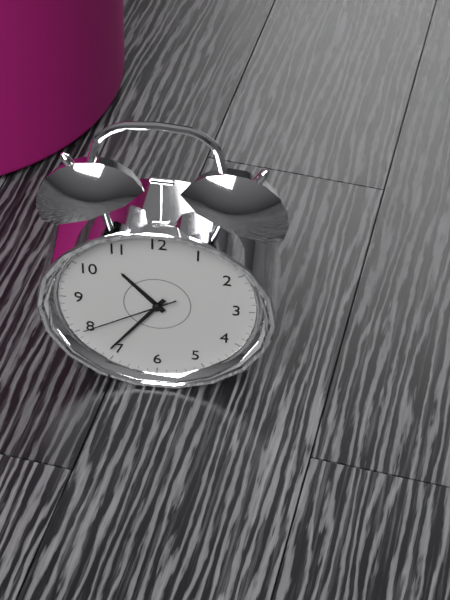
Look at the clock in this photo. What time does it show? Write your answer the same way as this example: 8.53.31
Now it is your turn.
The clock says 10.36.40
